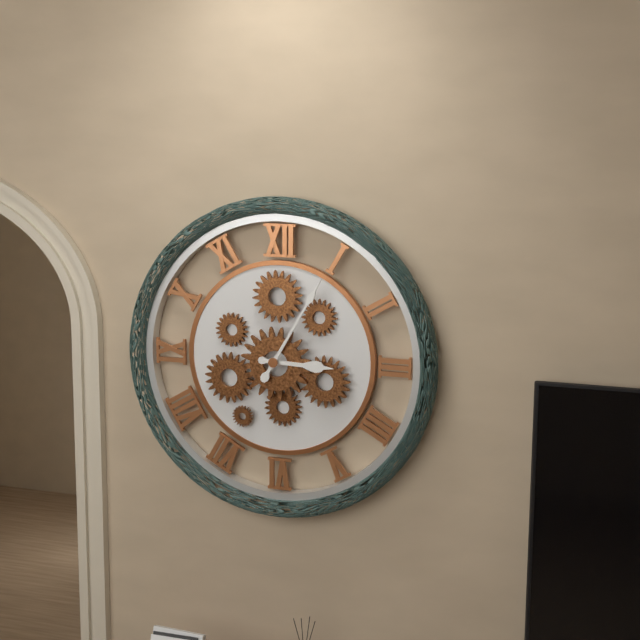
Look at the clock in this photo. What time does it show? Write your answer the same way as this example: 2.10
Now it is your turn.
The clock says 3.05
